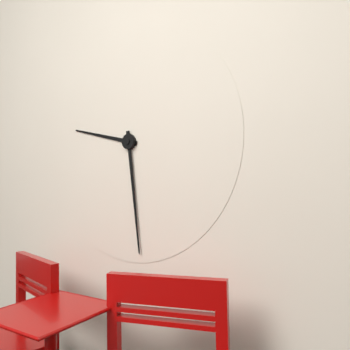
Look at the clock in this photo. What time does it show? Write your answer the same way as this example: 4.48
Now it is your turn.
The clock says 9.29
